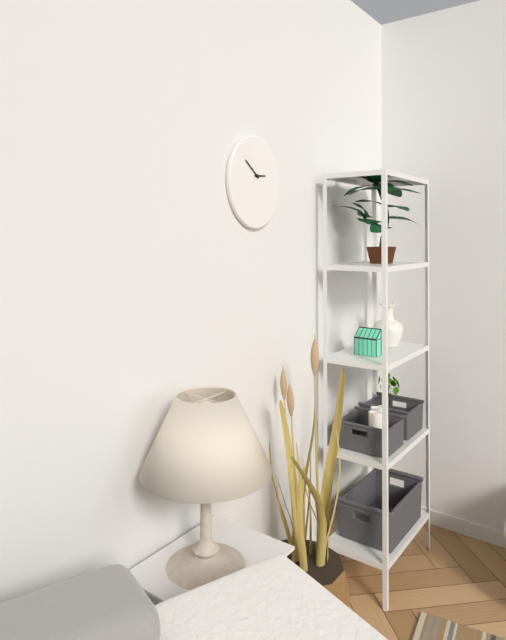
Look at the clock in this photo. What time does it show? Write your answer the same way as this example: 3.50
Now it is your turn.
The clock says 2.51
